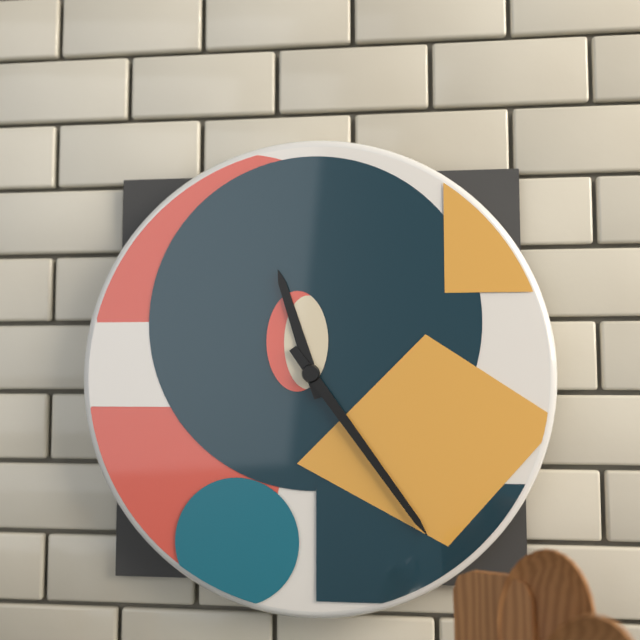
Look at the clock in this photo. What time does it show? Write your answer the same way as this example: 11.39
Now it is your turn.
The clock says 11.24
